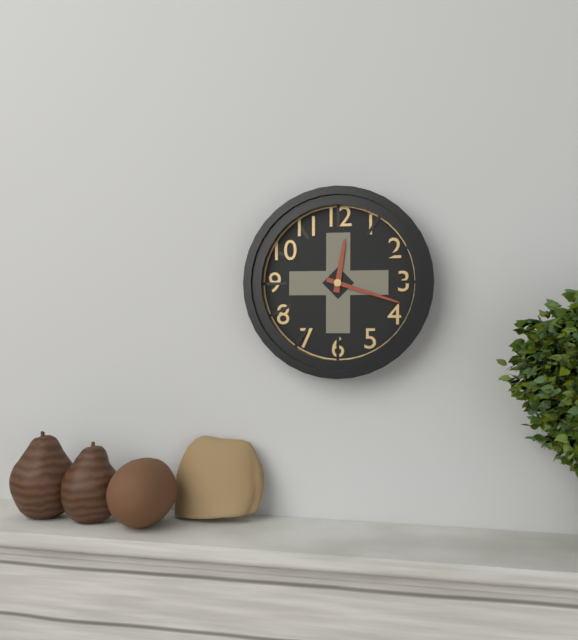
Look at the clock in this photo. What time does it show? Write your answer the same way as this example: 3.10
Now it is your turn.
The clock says 12.18
